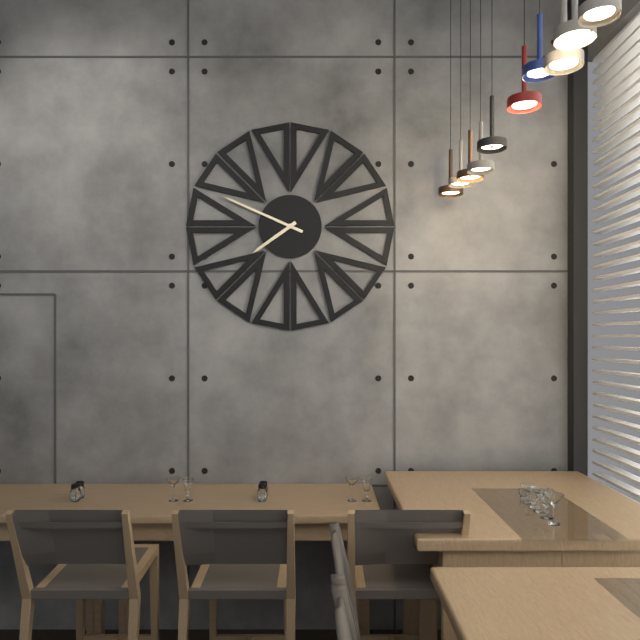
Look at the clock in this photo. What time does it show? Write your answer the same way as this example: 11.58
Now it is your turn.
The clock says 7.49
